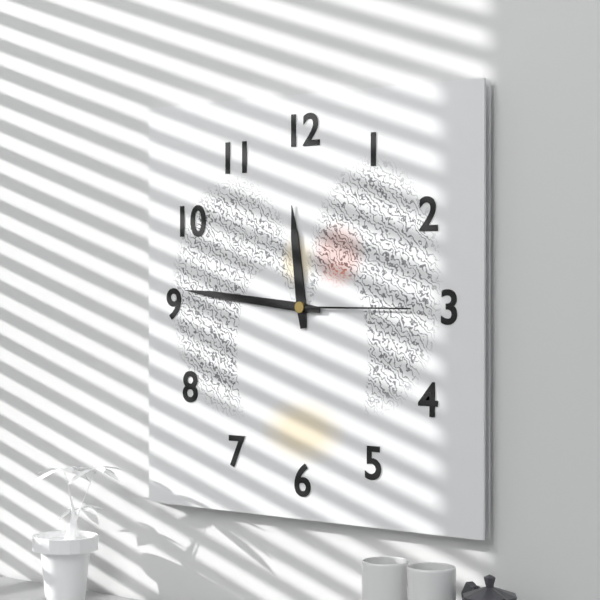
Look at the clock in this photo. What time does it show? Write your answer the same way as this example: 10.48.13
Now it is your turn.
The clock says 11.46.15
